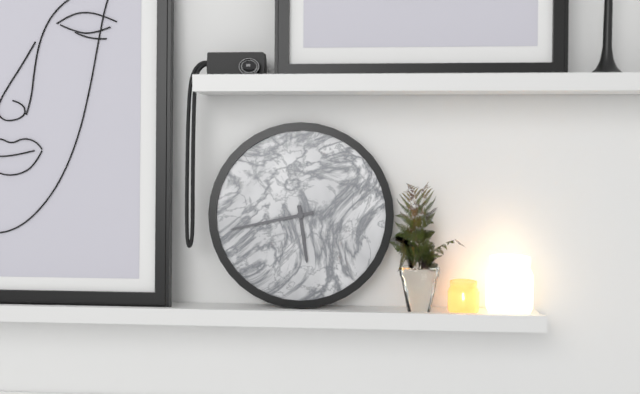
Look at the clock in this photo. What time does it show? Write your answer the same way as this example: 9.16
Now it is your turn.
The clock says 5.43
